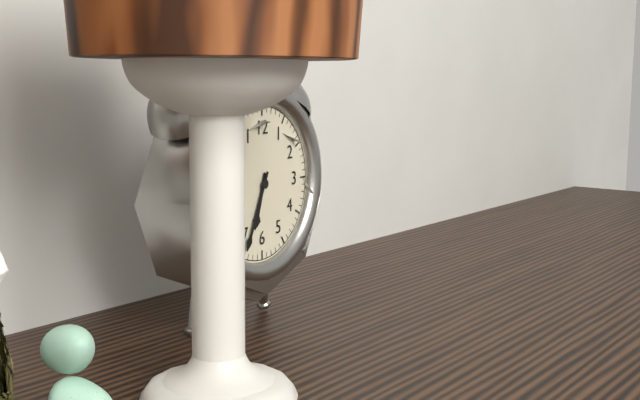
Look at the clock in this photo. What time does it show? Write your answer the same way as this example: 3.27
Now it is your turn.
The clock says 6.34
